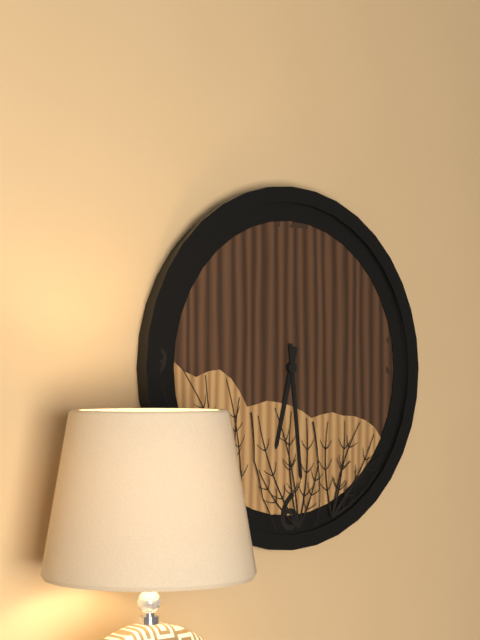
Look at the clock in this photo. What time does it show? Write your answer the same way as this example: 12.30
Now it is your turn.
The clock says 6.29
